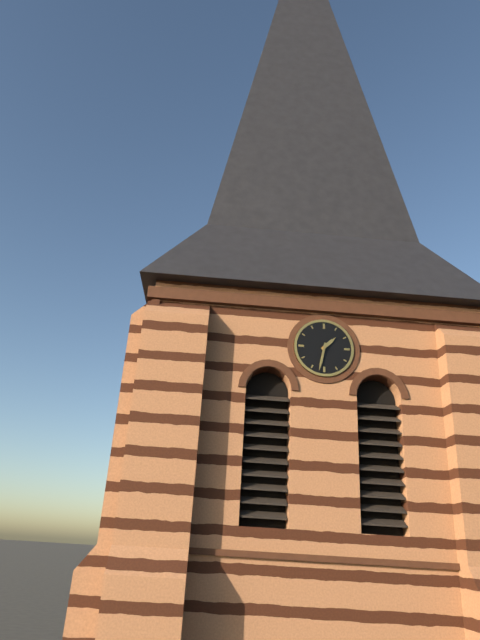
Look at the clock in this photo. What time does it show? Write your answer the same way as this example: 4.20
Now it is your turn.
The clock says 1.32
